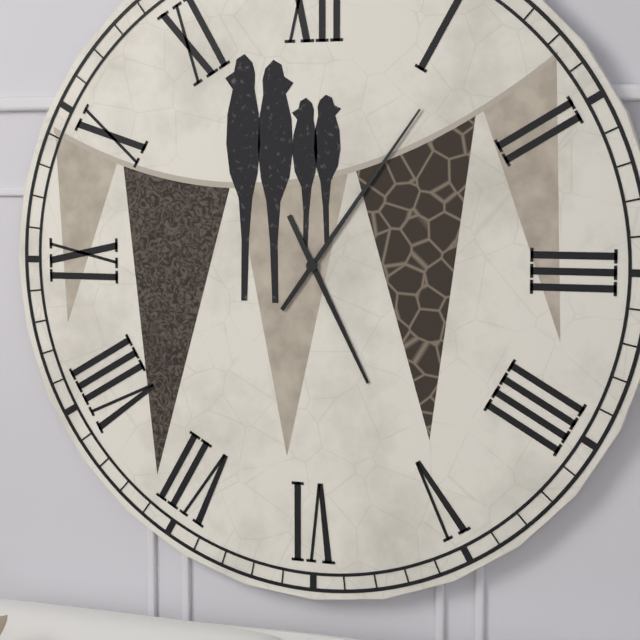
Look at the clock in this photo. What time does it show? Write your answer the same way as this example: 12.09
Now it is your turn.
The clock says 5.06
